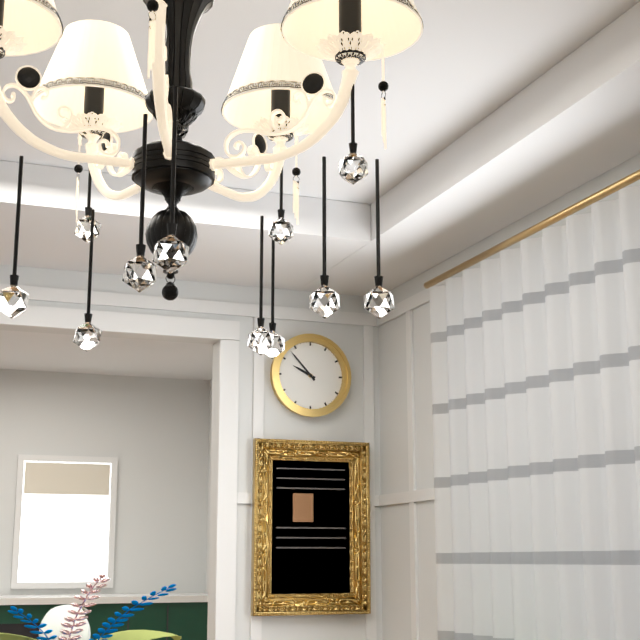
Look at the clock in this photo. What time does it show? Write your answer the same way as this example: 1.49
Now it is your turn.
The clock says 9.53
